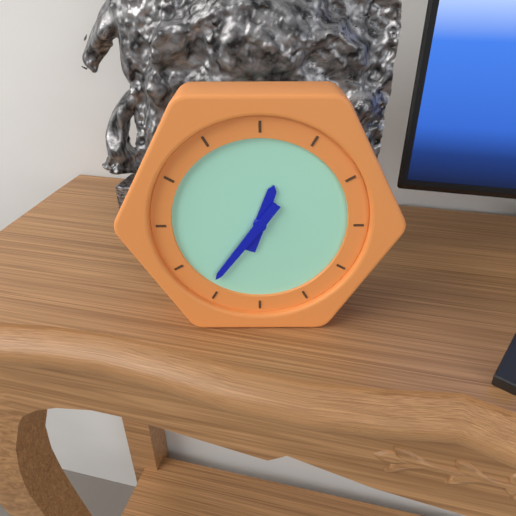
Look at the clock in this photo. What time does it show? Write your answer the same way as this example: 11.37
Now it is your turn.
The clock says 12.36
